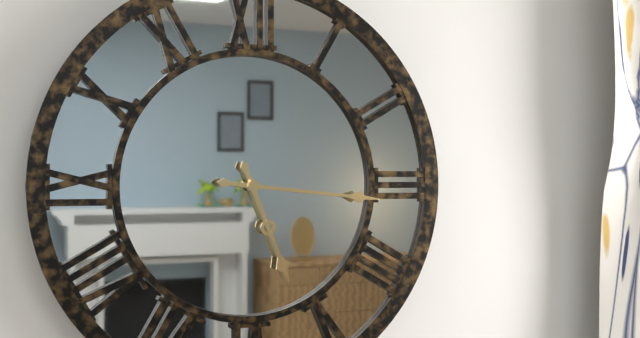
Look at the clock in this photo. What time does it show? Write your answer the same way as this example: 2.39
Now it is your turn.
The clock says 5.16
